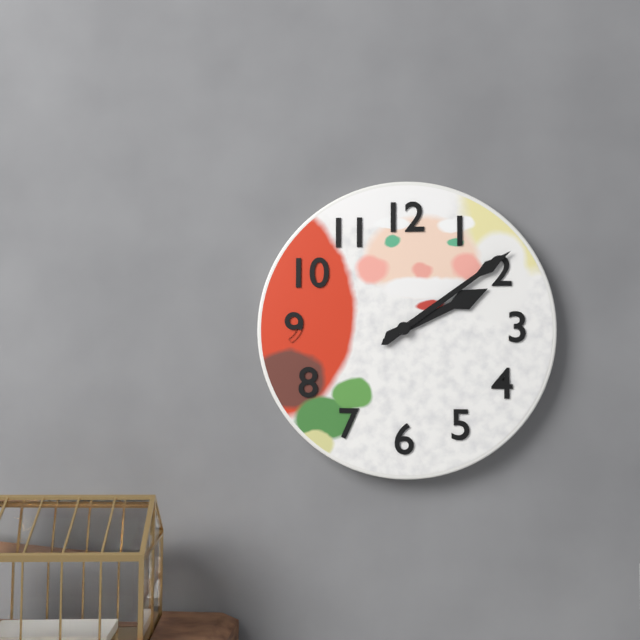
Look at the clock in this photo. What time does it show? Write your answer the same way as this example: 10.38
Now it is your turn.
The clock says 2.09
